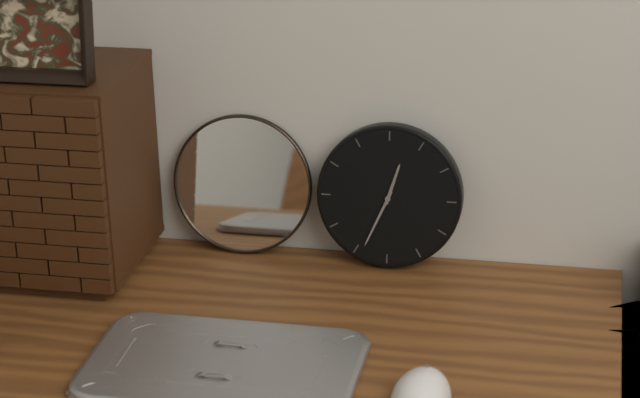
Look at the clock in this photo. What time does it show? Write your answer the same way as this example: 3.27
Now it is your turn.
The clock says 12.34
